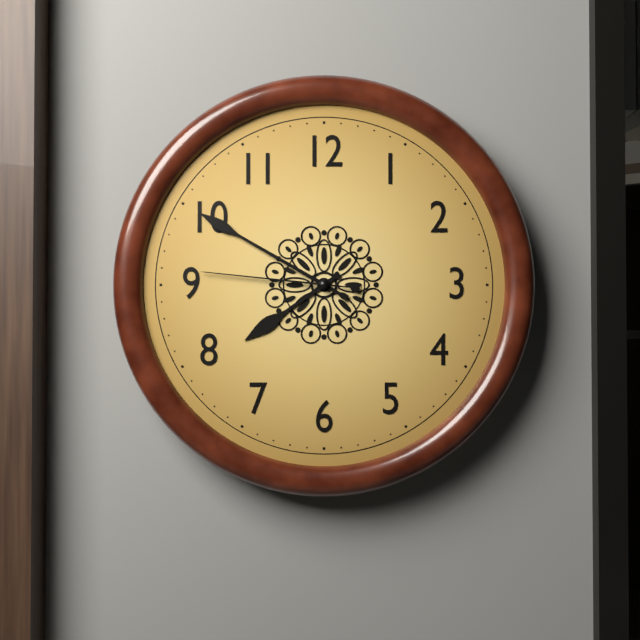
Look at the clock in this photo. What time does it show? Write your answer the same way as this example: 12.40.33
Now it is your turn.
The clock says 7.50.46
